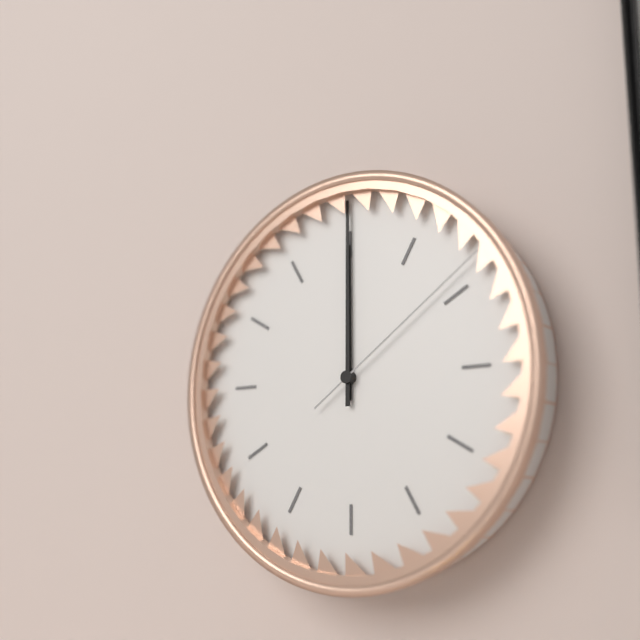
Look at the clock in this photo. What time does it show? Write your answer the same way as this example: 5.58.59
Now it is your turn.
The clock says 12.00.09
